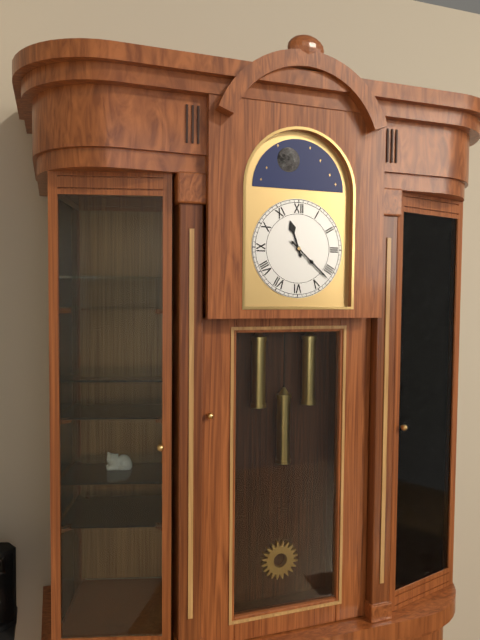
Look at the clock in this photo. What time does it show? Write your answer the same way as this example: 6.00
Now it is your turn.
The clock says 11.22
